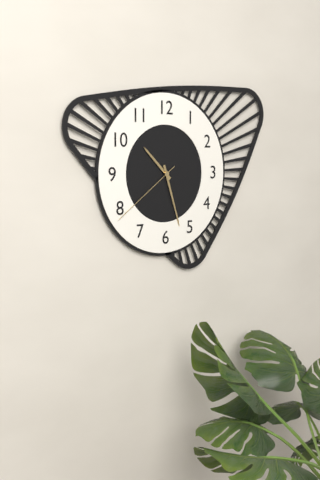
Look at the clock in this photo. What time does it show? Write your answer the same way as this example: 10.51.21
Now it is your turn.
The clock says 10.27.39
